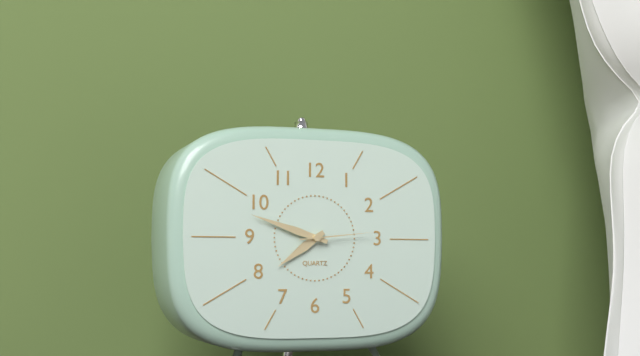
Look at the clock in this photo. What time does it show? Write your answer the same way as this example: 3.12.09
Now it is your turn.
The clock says 7.48.14
